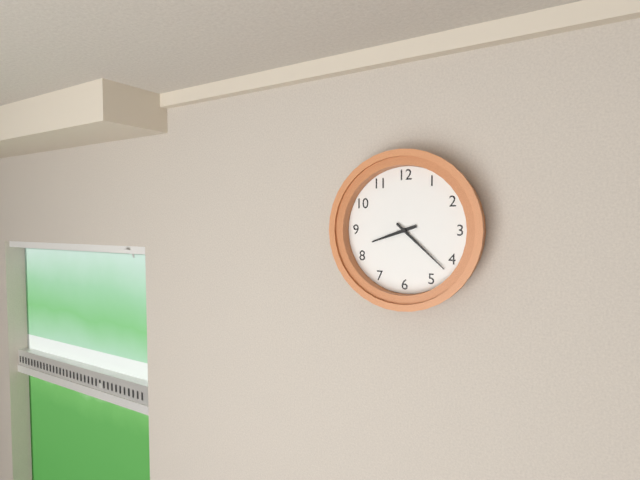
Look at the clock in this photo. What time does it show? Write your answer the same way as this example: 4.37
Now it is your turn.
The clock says 8.22
